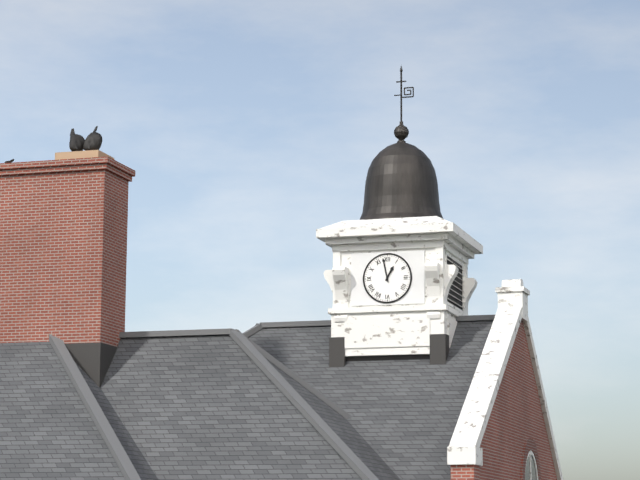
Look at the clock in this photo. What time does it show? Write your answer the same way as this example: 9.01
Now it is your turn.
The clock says 12.58
